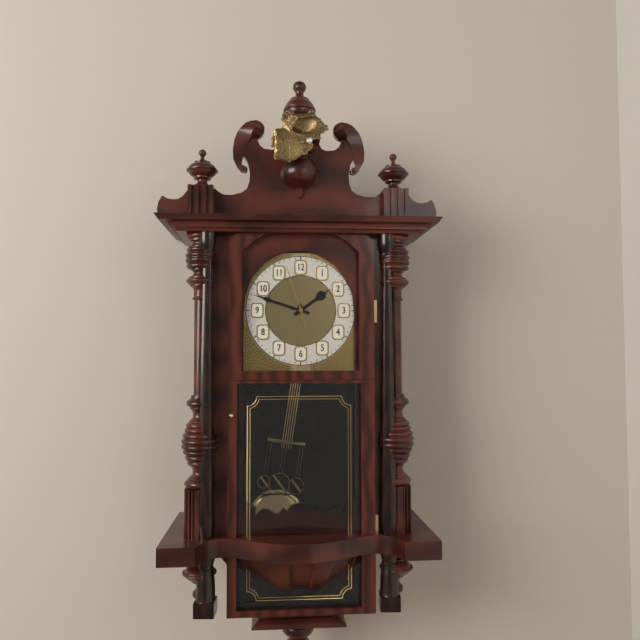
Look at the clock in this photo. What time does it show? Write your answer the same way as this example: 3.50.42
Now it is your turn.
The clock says 1.48.57
